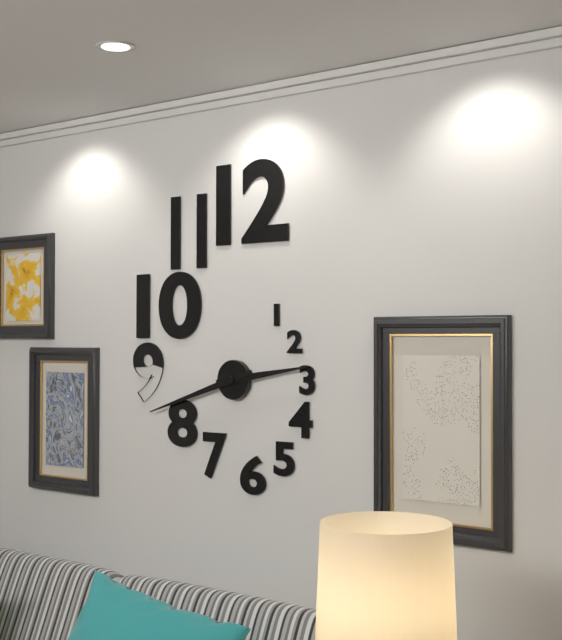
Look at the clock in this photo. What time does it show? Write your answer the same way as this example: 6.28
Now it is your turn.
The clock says 2.42
